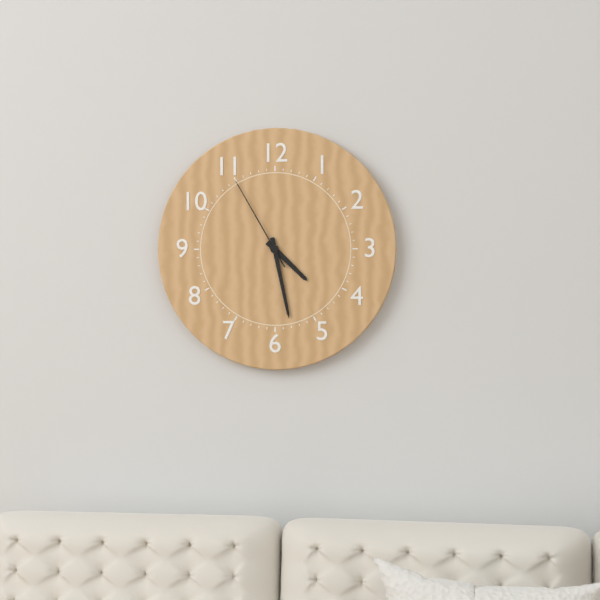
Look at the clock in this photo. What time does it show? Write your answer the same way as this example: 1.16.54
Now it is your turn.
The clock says 4.28.55
